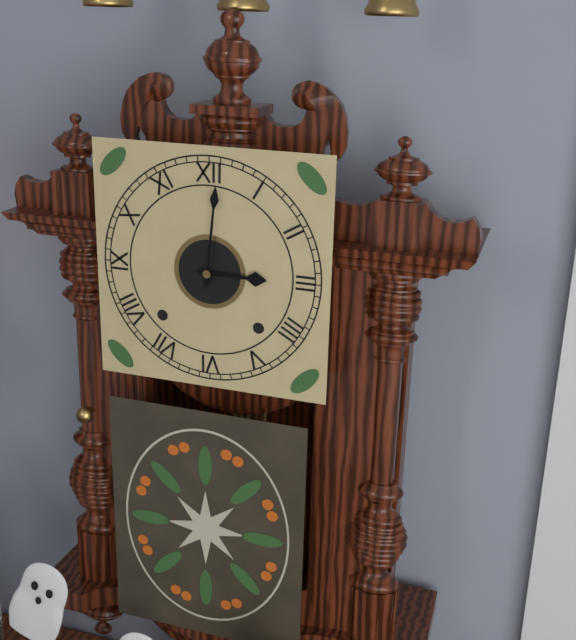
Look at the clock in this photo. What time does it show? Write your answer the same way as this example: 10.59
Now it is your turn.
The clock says 3.01
